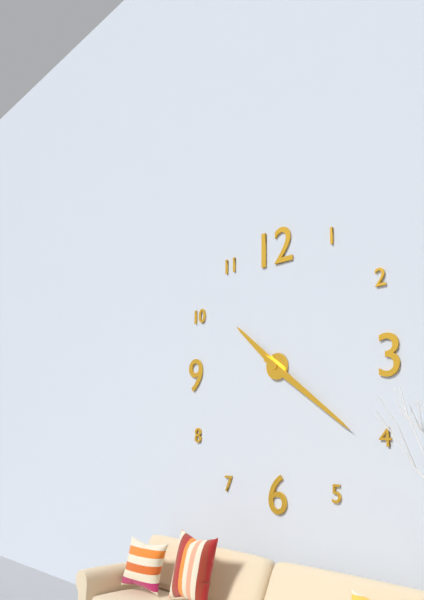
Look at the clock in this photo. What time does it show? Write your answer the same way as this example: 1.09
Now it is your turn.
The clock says 10.21
